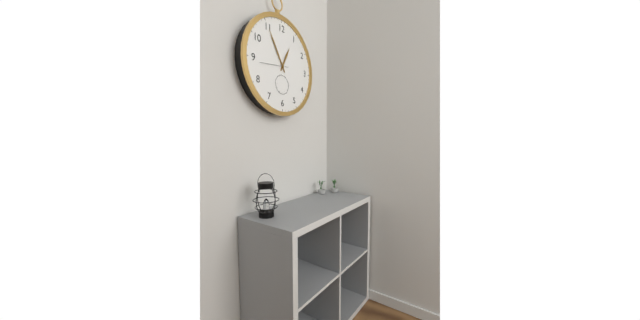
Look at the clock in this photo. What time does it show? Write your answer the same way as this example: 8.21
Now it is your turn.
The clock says 12.55
